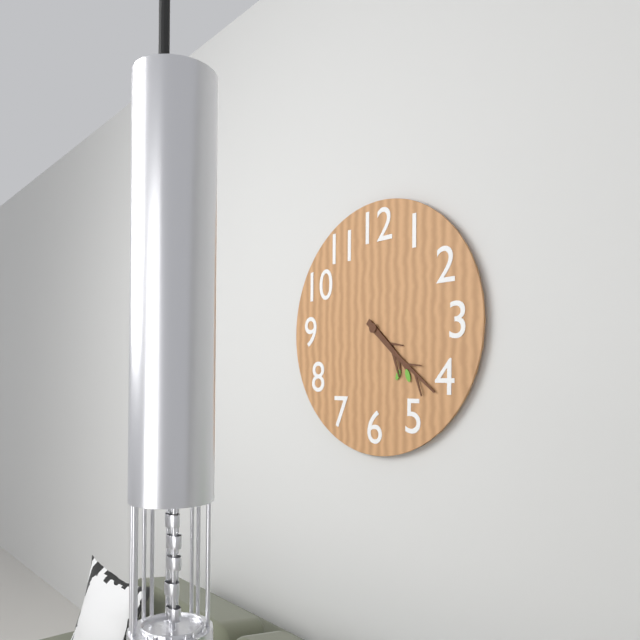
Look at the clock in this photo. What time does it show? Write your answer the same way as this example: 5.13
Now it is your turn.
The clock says 4.22
